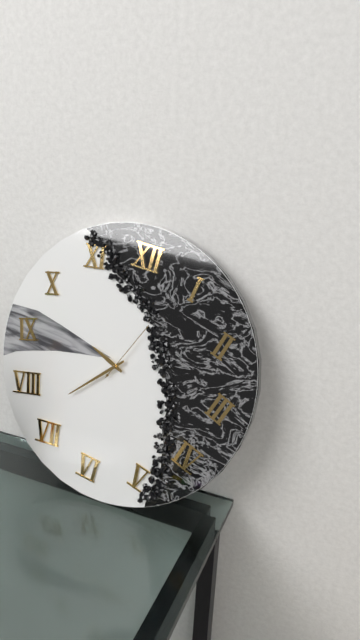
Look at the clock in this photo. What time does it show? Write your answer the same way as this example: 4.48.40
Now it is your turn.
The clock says 9.37.04
